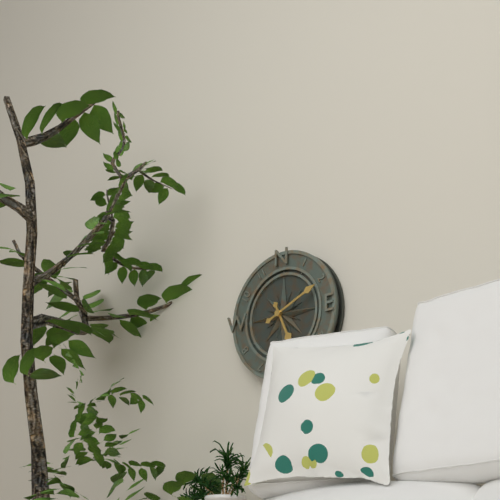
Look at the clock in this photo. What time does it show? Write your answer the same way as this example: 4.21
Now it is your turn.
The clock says 5.11
